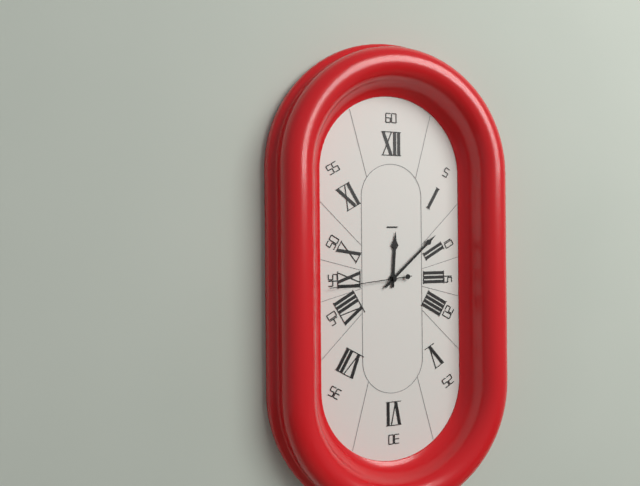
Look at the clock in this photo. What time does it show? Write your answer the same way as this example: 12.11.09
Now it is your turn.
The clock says 12.08.44
